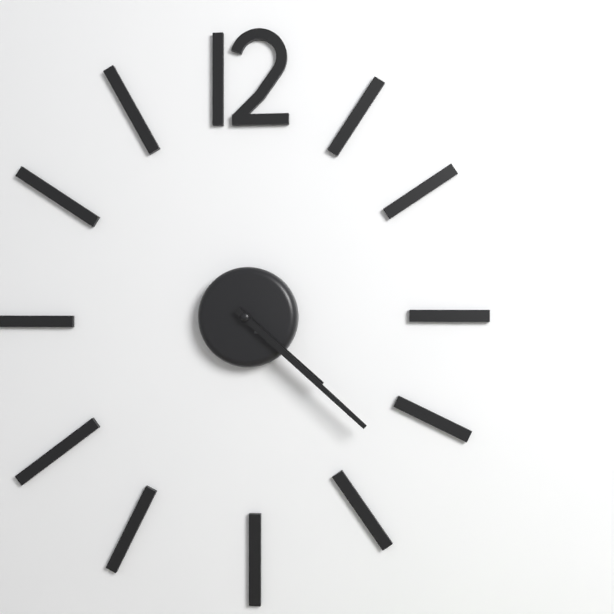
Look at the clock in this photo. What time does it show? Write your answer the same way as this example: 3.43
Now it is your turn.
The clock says 4.22
